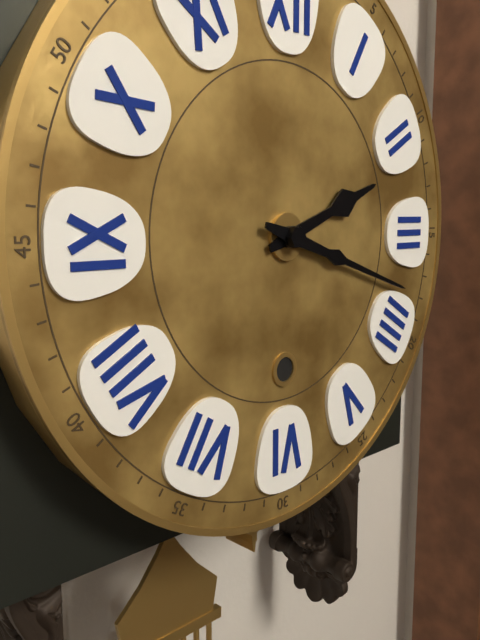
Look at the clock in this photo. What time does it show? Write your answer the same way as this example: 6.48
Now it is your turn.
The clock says 2.18
